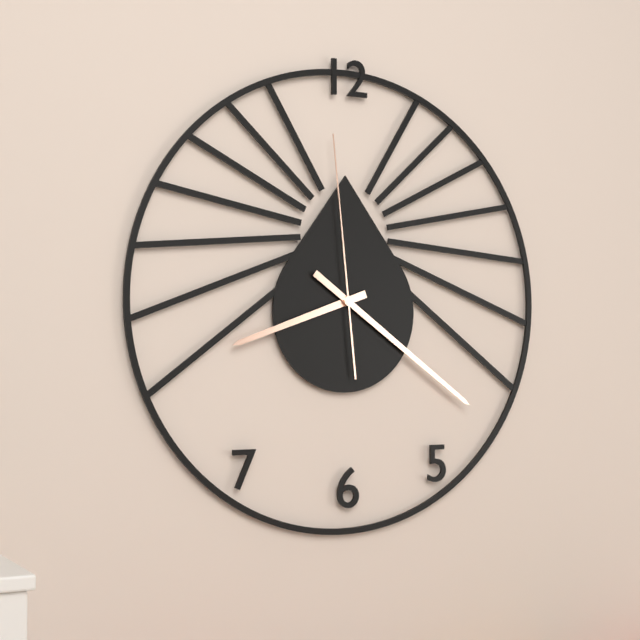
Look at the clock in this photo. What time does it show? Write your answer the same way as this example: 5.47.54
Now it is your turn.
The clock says 8.21.59
